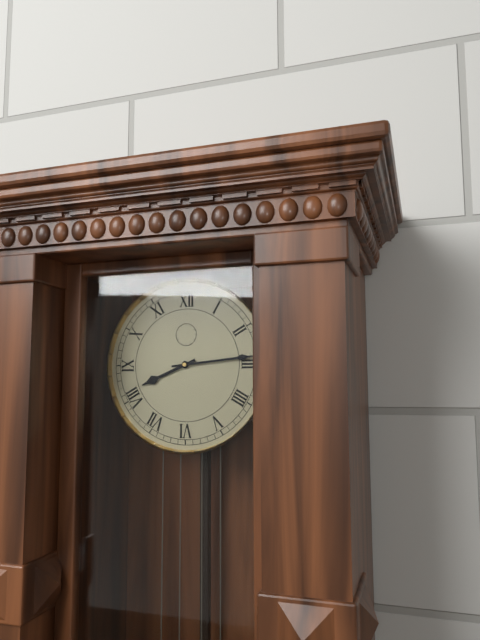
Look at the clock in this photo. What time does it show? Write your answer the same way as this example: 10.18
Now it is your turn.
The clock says 8.14
